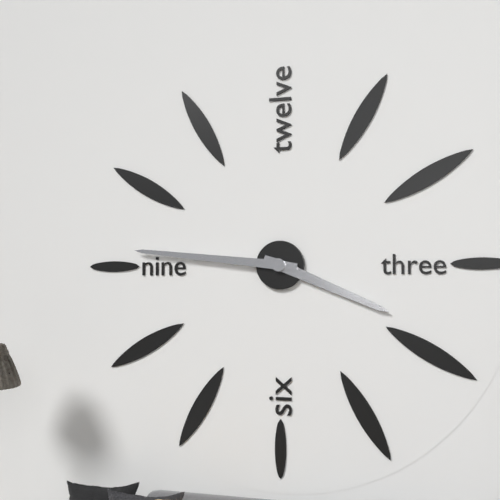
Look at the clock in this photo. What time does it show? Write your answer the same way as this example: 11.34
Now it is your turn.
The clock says 3.46
